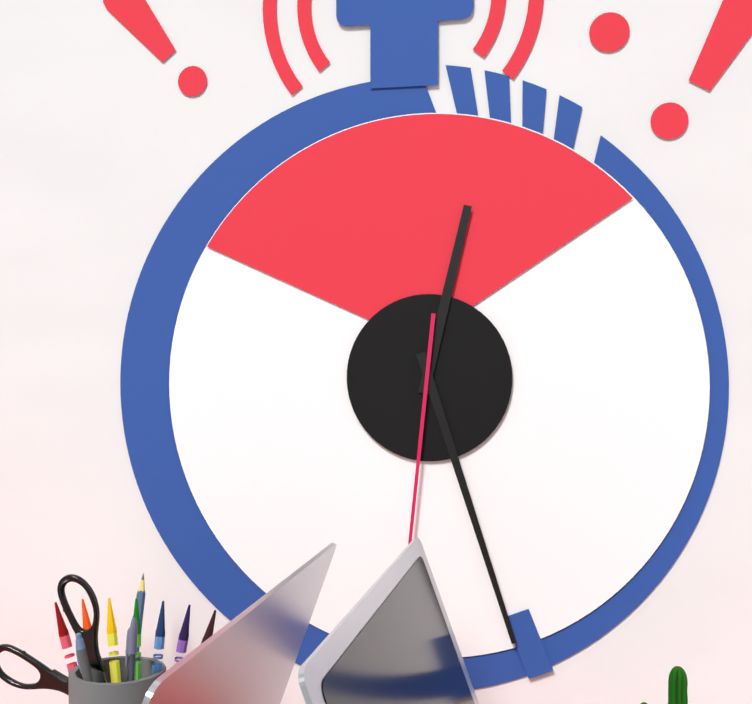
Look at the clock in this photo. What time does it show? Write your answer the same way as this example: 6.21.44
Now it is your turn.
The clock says 12.27.31
